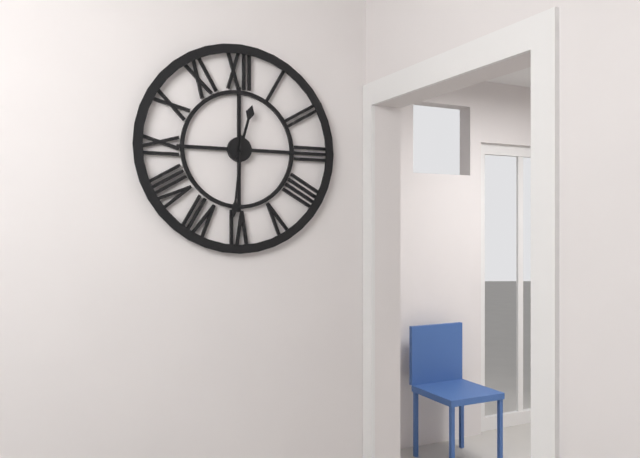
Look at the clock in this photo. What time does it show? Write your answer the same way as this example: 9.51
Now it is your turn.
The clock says 12.31
